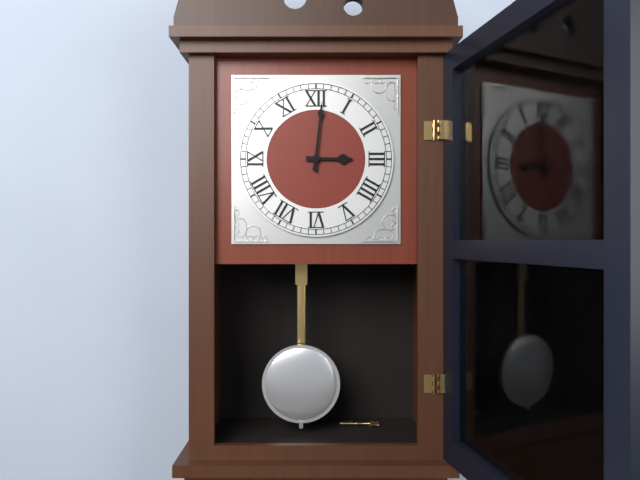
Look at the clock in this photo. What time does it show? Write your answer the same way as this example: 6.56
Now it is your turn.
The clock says 3.01
